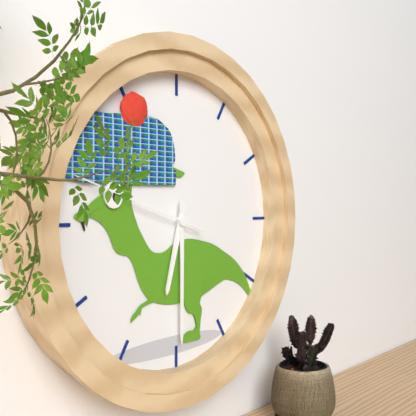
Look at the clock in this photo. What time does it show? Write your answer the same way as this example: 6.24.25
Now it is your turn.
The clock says 6.30.48
